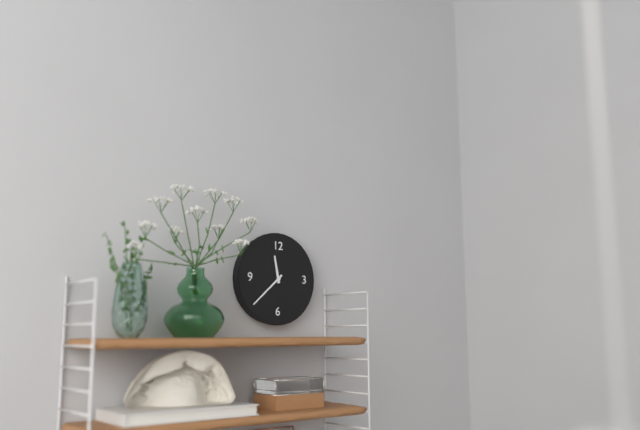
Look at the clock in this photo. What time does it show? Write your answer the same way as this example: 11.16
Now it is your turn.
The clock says 11.38
